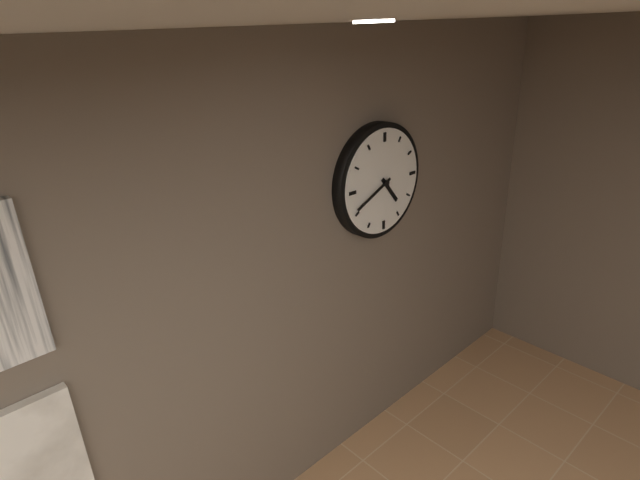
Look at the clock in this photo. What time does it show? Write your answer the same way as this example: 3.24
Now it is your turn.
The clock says 4.41
